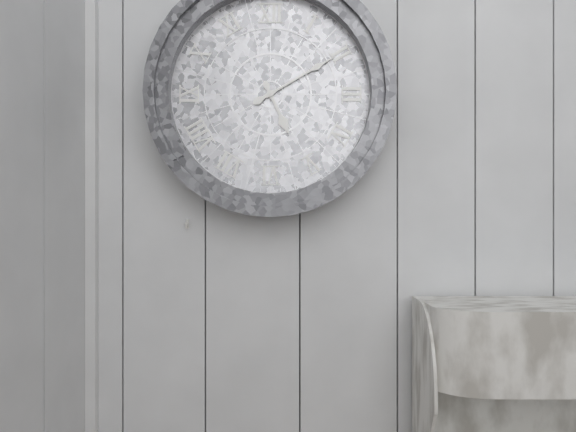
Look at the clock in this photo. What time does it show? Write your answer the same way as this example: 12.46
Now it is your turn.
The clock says 5.10
